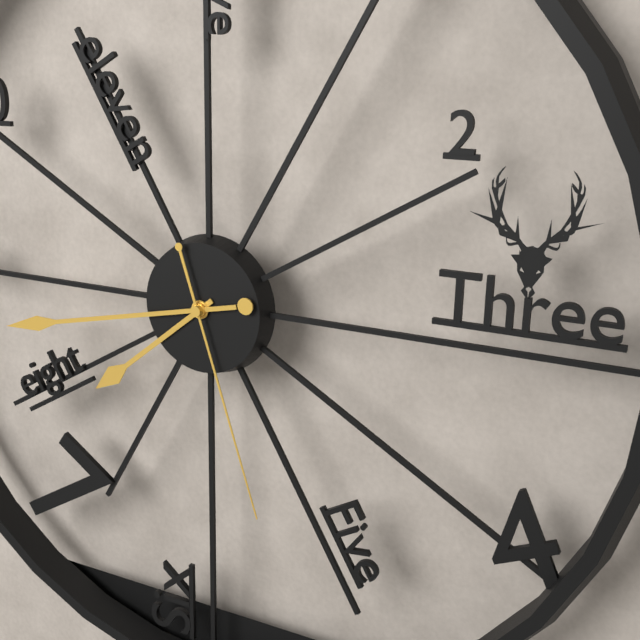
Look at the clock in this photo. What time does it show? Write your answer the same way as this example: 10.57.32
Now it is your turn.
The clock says 7.43.27
